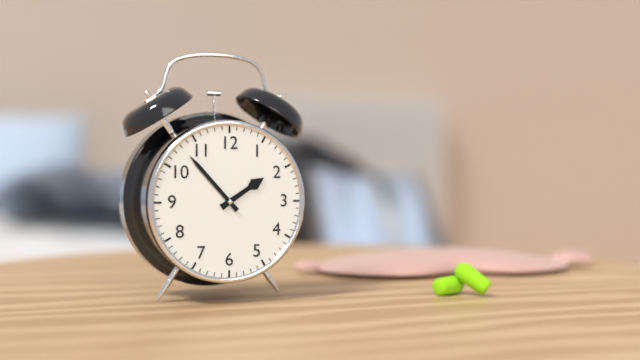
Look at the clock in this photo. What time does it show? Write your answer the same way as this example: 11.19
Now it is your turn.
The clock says 1.53
